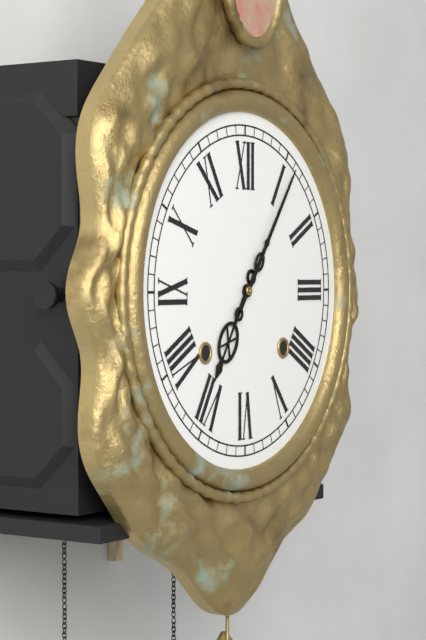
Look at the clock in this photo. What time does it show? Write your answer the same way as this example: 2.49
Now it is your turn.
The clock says 7.06
